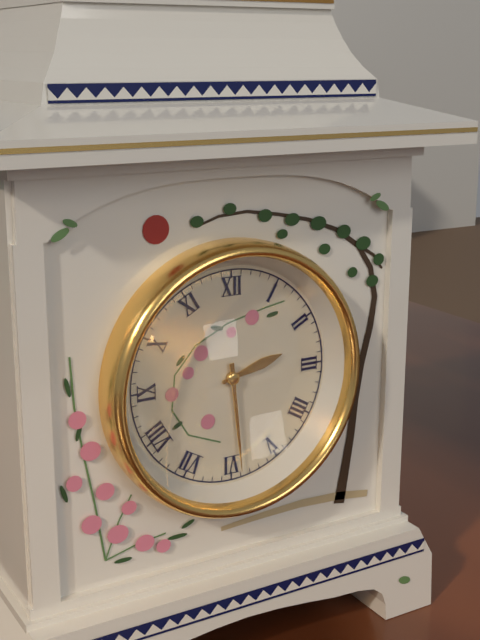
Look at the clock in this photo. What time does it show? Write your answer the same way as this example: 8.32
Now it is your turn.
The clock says 2.29
